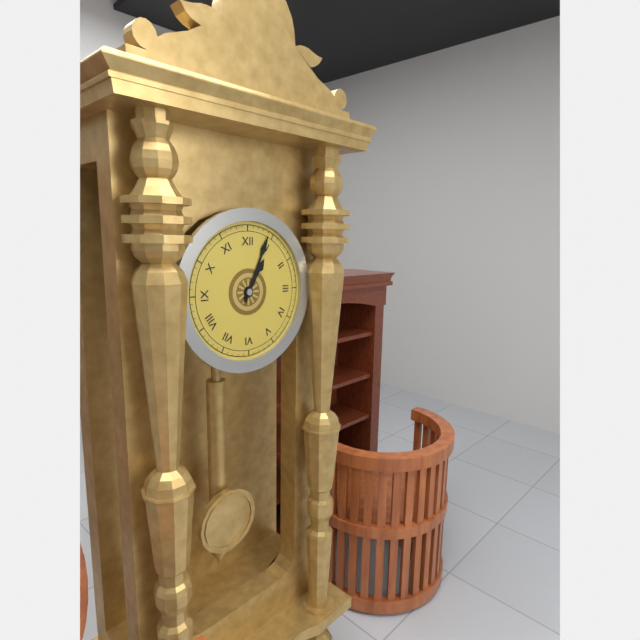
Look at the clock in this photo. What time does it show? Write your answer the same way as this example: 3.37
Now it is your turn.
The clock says 1.04
